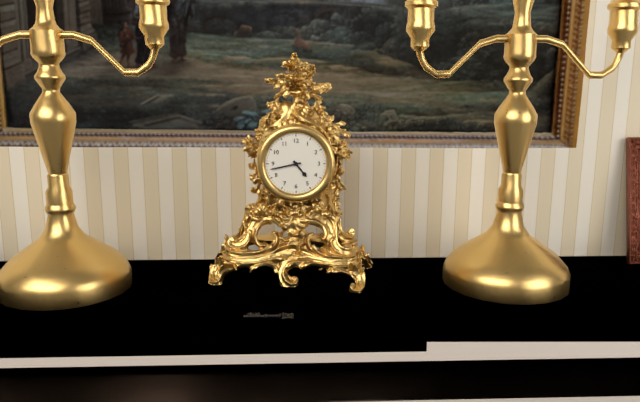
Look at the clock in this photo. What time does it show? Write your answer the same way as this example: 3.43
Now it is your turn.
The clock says 4.43
